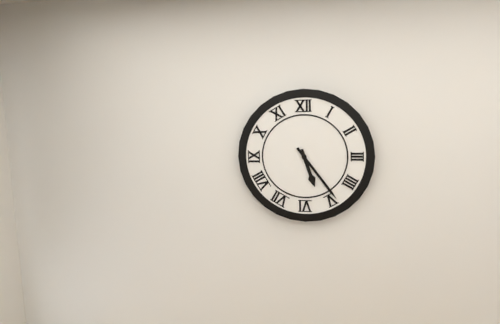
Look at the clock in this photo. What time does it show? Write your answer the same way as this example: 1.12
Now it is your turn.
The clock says 5.24
